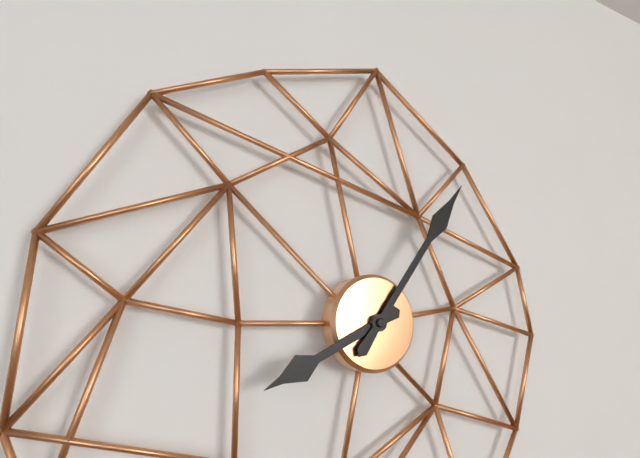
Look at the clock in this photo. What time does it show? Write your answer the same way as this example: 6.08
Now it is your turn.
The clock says 8.06
